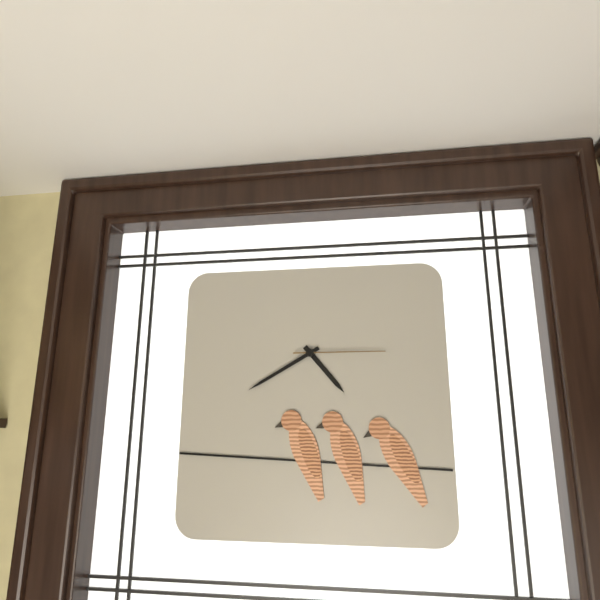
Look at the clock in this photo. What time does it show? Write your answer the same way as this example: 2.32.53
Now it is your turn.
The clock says 4.40.15
